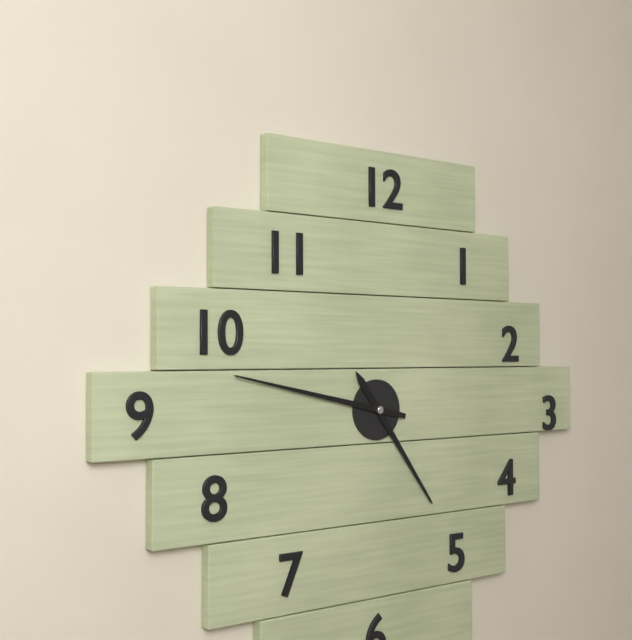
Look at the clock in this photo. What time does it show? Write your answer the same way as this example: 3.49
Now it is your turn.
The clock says 4.47
